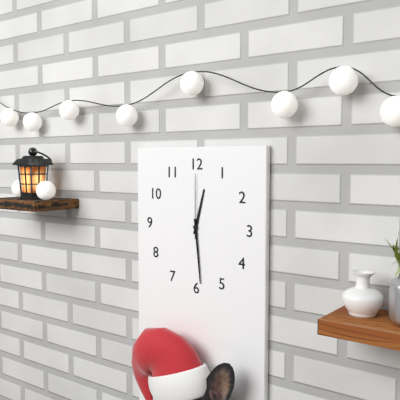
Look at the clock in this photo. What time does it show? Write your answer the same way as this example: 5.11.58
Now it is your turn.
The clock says 12.29.00
